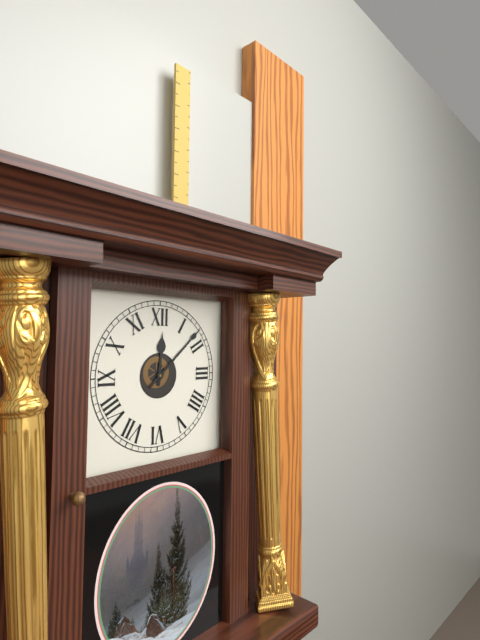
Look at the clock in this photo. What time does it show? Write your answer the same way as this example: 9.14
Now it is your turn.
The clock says 12.08
